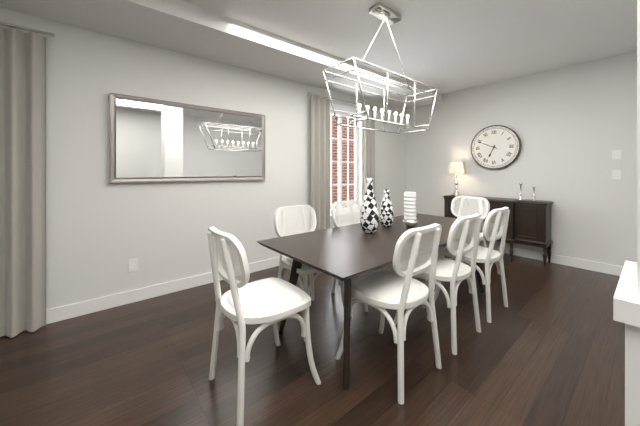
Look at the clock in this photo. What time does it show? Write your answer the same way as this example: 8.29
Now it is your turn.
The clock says 6.49
